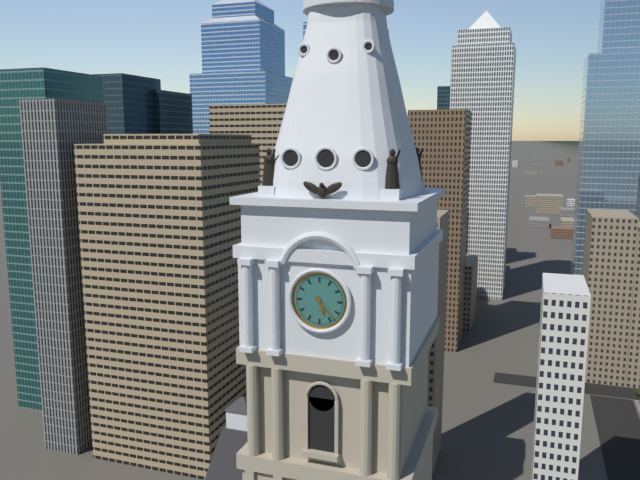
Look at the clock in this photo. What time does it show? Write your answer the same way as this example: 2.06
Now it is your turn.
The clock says 5.23
